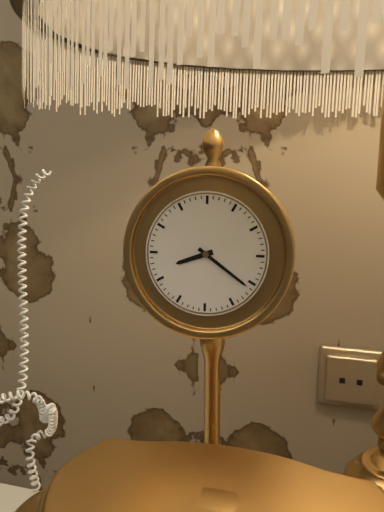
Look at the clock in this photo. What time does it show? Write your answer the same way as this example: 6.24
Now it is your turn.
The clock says 8.21
